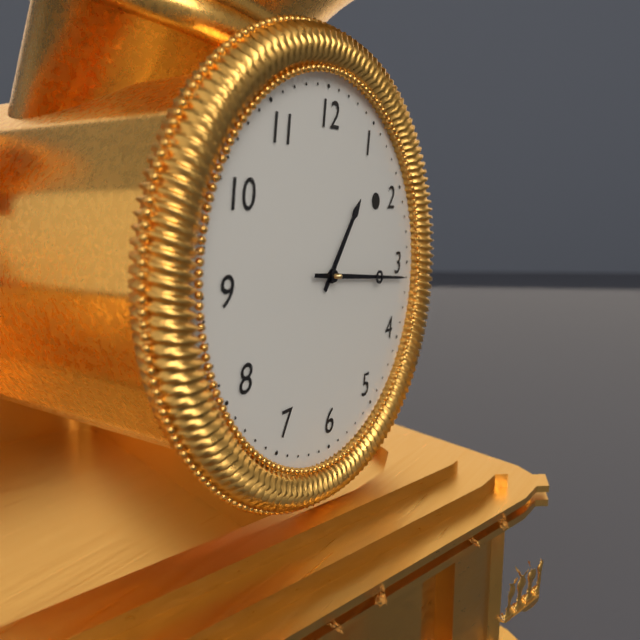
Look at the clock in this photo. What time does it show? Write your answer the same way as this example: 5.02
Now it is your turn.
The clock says 1.16
